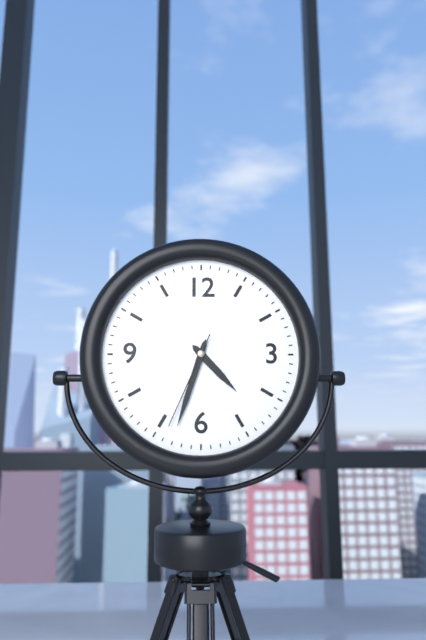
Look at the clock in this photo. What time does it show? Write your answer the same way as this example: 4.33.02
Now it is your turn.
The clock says 4.33.34
